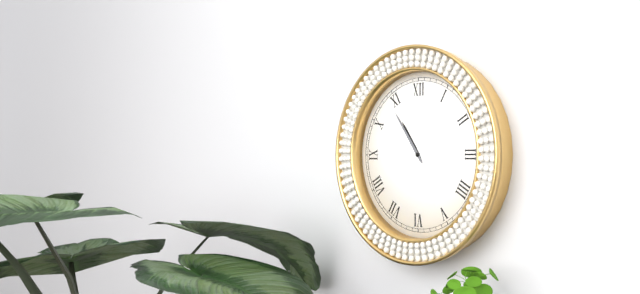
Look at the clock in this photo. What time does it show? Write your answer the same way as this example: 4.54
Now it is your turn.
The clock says 10.54
